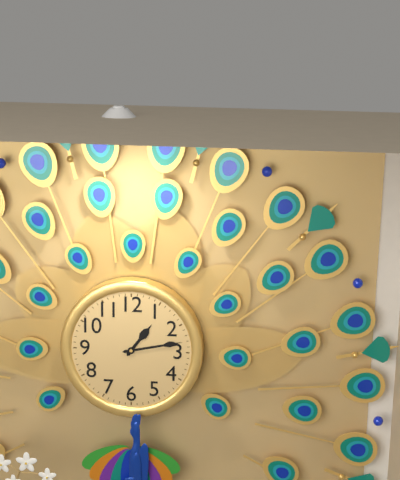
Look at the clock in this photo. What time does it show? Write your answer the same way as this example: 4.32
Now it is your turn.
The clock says 1.13
